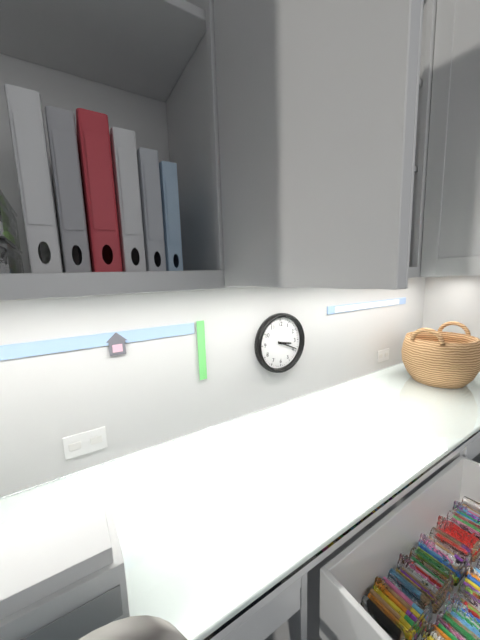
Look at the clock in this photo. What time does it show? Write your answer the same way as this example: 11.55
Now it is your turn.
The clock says 3.19
